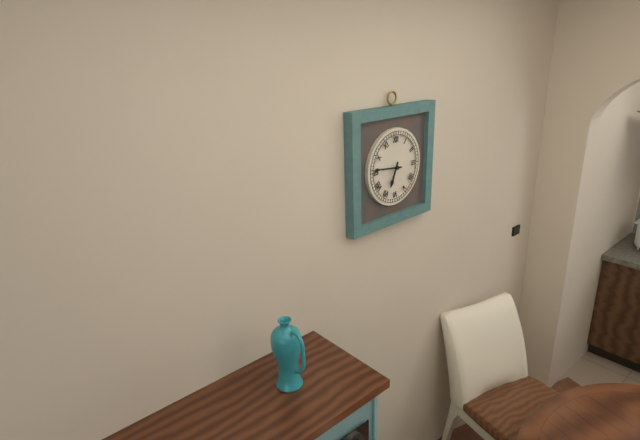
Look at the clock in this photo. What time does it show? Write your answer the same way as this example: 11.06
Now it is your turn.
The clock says 6.46
